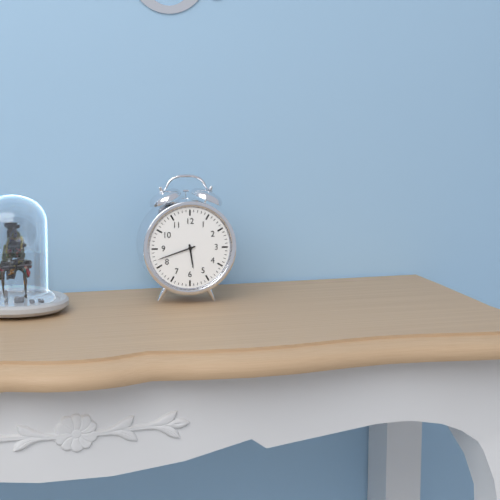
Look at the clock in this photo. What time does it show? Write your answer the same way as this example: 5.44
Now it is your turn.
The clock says 5.42
